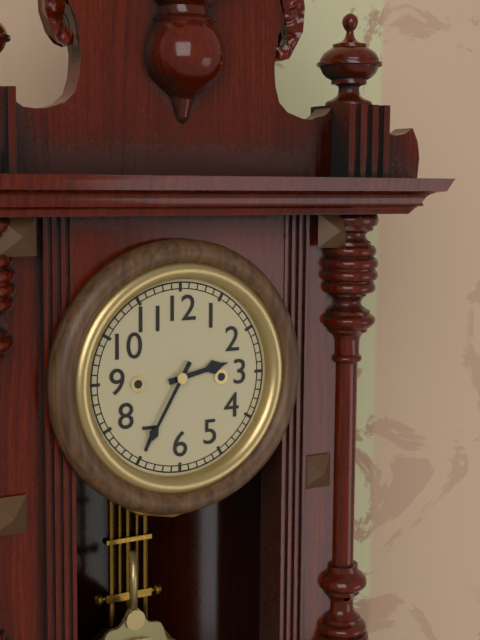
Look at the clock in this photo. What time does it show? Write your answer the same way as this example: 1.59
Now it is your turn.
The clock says 2.35
